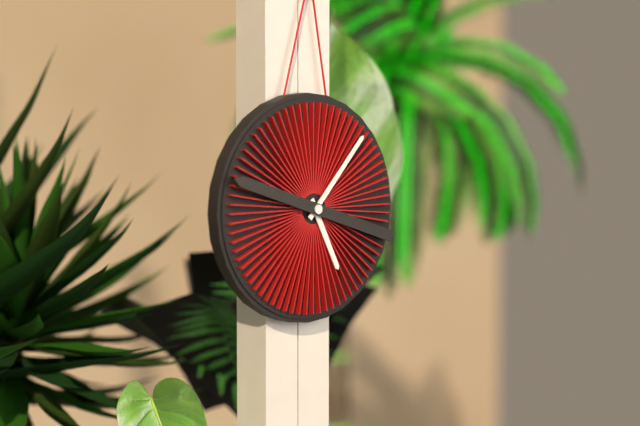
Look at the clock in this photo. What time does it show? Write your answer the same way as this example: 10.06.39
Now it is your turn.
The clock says 5.07.48
